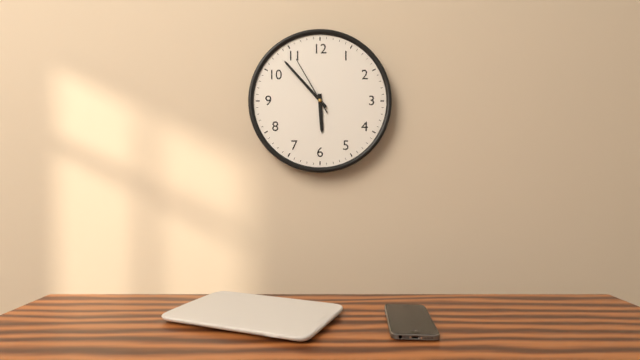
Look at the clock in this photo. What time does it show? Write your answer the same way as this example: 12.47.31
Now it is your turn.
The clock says 5.53.55
